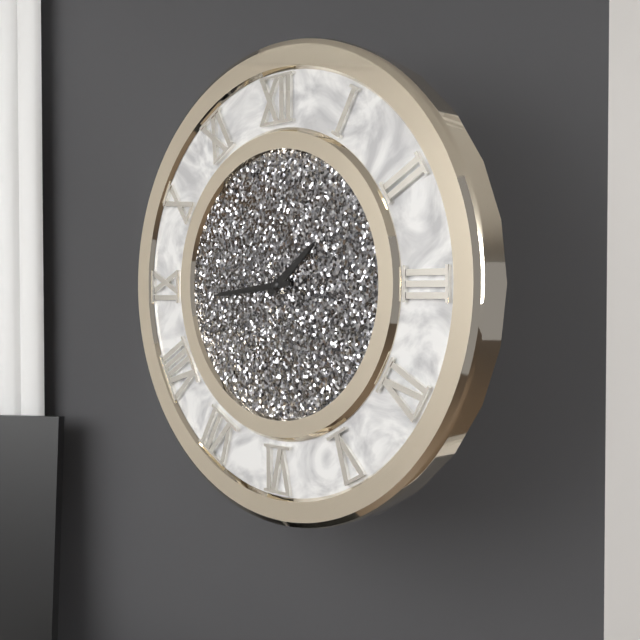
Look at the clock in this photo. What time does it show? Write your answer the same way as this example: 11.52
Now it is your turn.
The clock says 1.44
